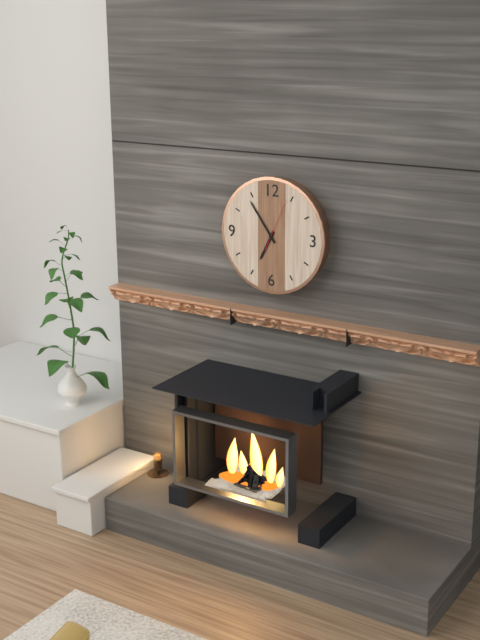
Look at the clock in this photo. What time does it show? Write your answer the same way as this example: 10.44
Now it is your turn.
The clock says 6.54
